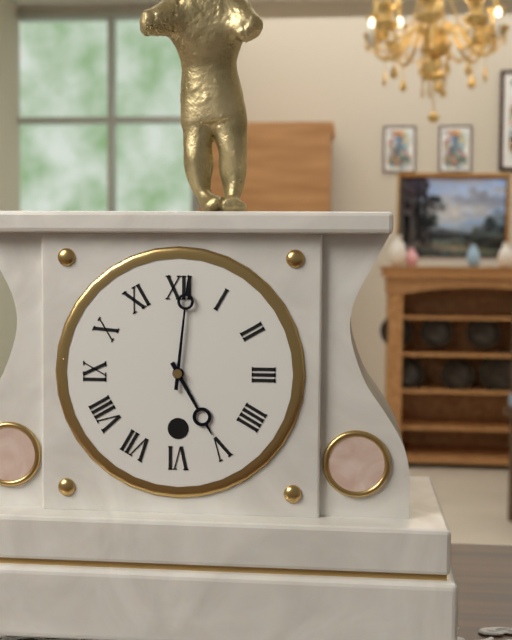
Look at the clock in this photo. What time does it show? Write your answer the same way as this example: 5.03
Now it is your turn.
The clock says 5.01
